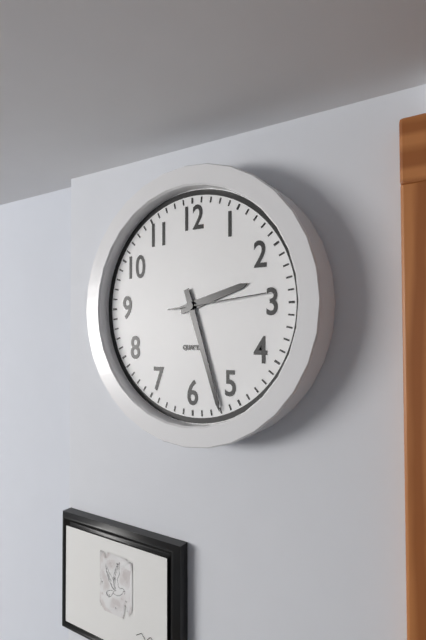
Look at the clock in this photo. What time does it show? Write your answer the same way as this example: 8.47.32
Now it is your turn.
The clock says 2.27.14
